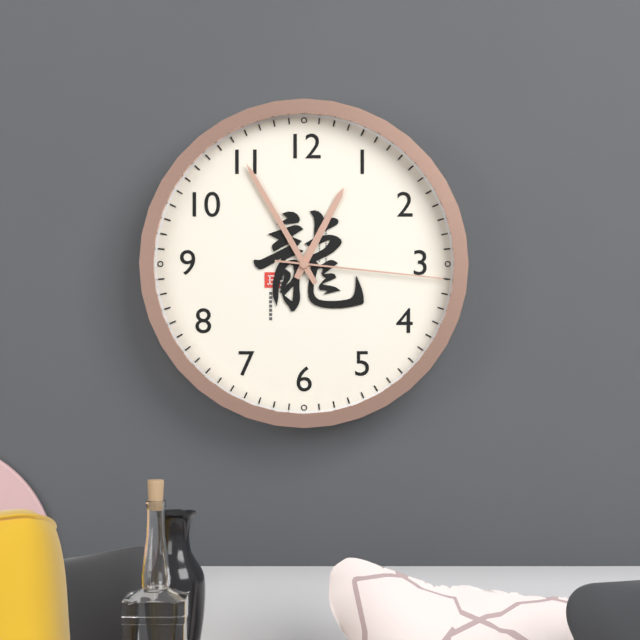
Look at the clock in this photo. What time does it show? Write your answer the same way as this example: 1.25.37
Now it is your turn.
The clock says 12.55.16
